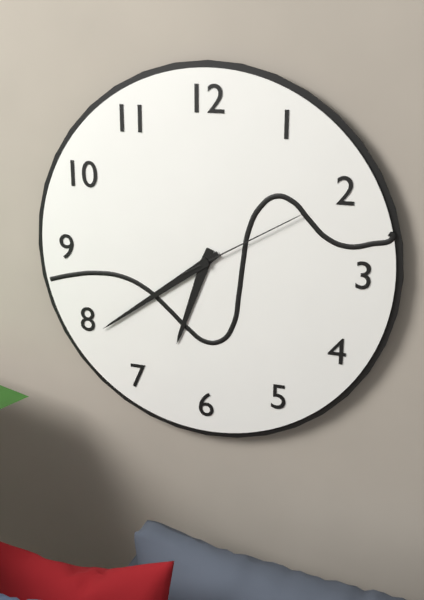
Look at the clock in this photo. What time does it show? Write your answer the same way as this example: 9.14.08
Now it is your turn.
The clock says 6.39.10
